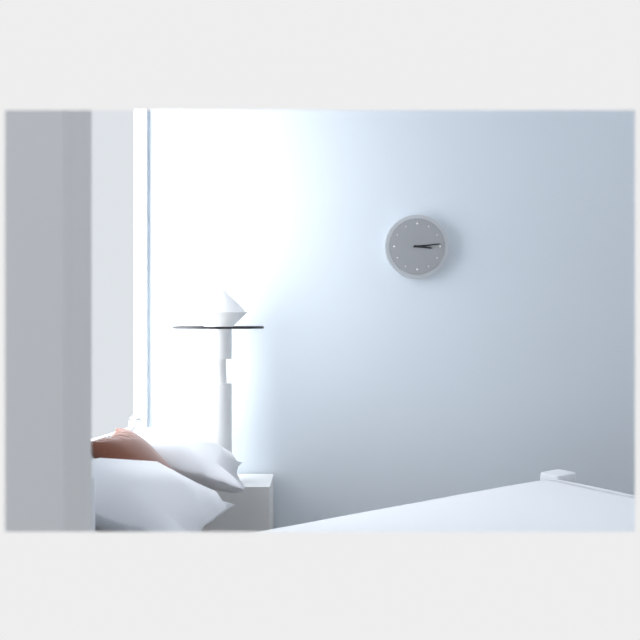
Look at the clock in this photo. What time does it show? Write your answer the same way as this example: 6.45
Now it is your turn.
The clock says 3.14
